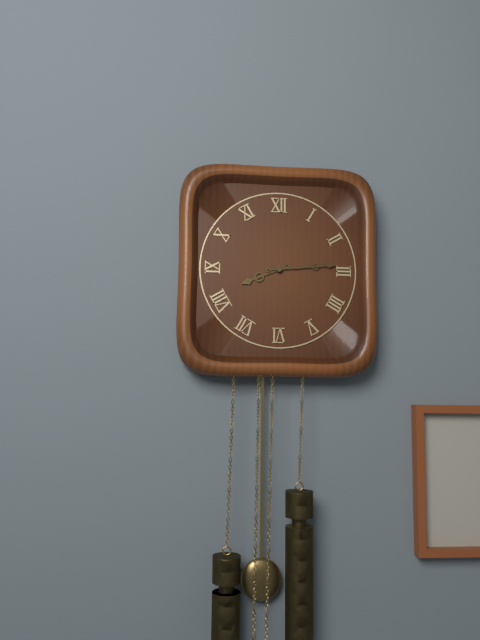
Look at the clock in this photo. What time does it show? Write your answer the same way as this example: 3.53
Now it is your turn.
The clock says 8.14
